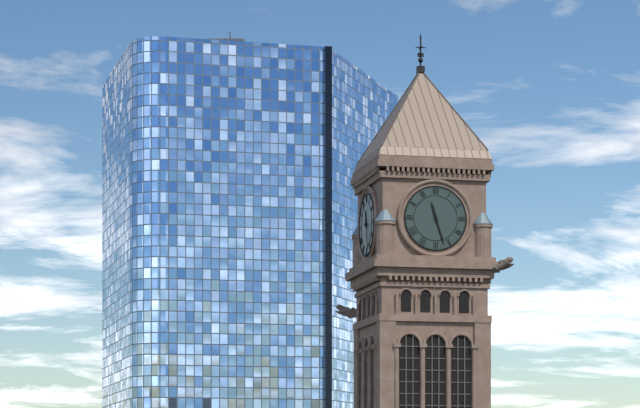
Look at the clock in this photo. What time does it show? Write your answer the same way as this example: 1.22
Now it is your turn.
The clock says 11.27
